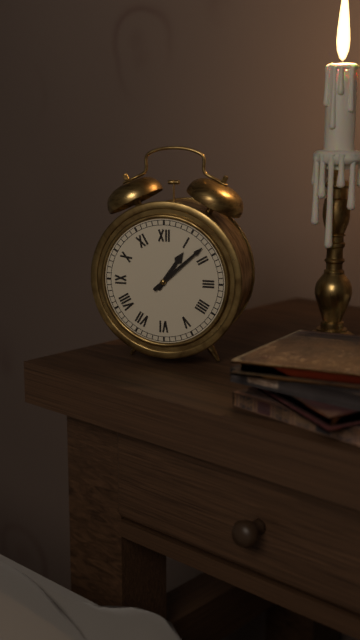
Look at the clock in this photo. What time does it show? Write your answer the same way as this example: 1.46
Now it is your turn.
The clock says 1.08
